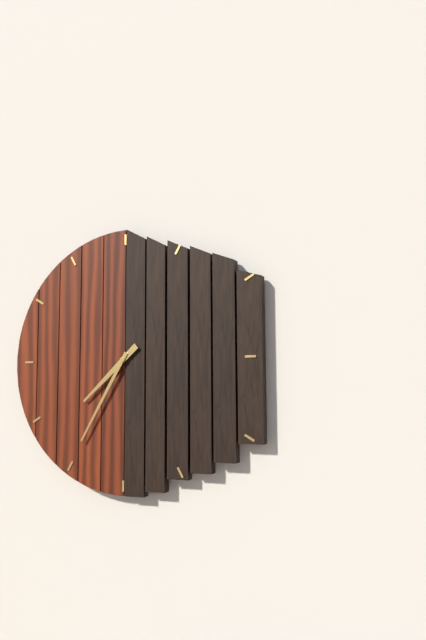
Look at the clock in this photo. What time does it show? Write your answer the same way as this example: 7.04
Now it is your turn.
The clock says 7.35
